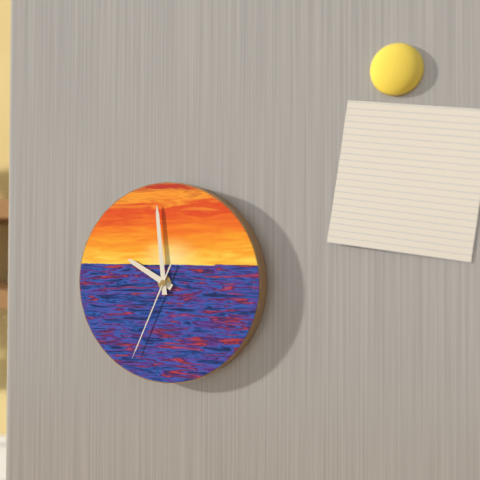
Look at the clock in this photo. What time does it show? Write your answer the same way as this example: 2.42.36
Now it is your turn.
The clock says 9.59.34
